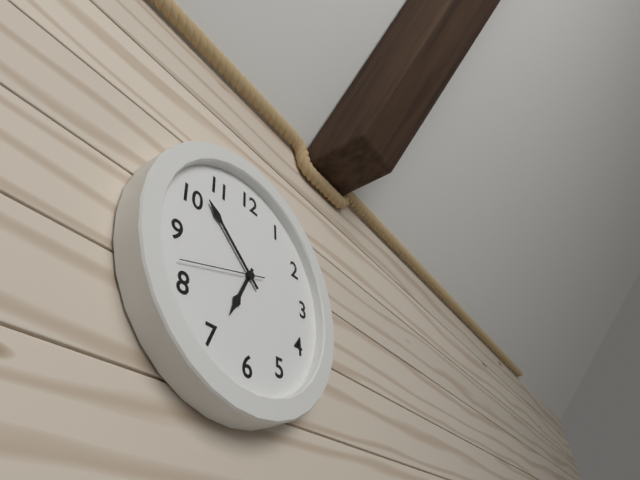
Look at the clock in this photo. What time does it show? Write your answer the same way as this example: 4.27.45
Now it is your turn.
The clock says 6.52.42
